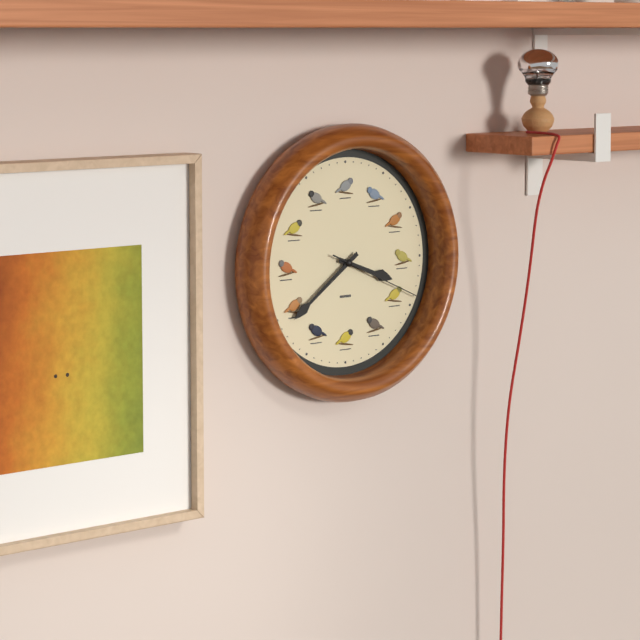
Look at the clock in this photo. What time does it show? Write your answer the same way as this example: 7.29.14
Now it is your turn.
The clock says 3.39.19
